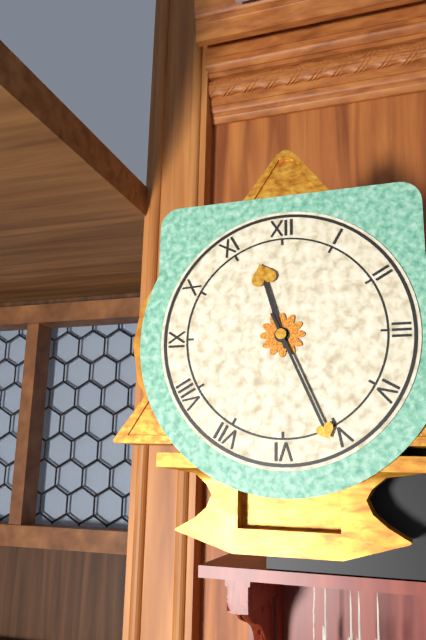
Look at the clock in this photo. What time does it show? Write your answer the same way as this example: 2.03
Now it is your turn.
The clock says 11.26
